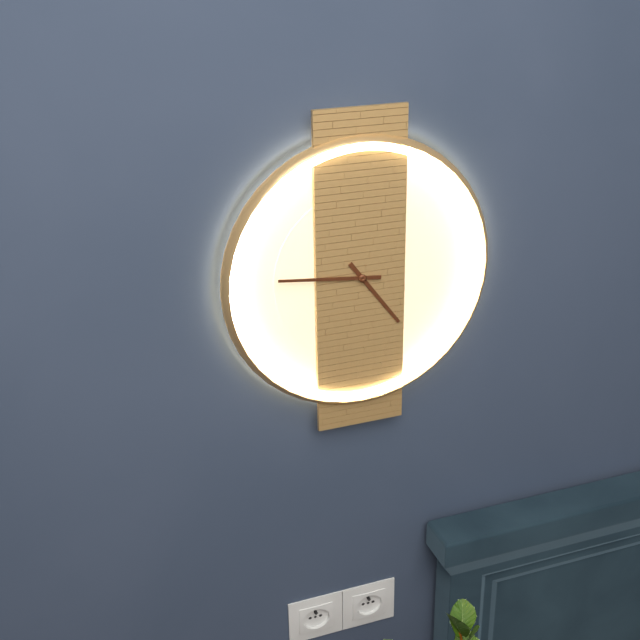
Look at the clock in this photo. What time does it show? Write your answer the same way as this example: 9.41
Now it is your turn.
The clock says 4.46
